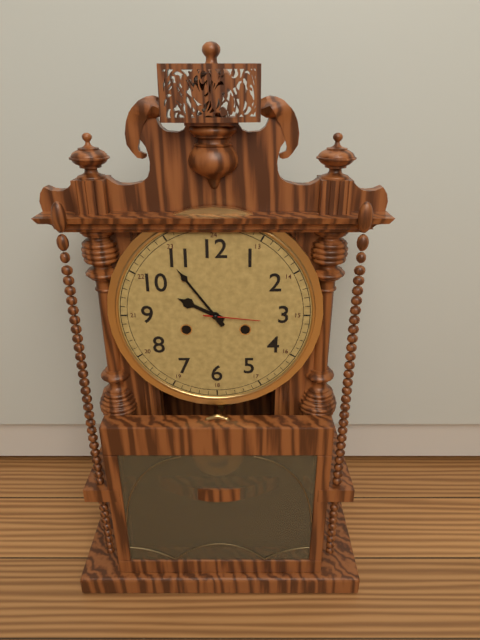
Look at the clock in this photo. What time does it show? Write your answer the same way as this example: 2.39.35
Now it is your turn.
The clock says 9.54.16
